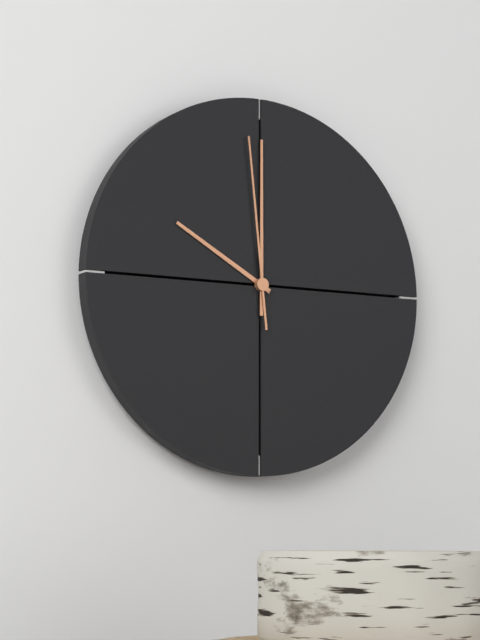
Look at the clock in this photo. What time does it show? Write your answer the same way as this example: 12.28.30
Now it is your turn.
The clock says 10.00.59
